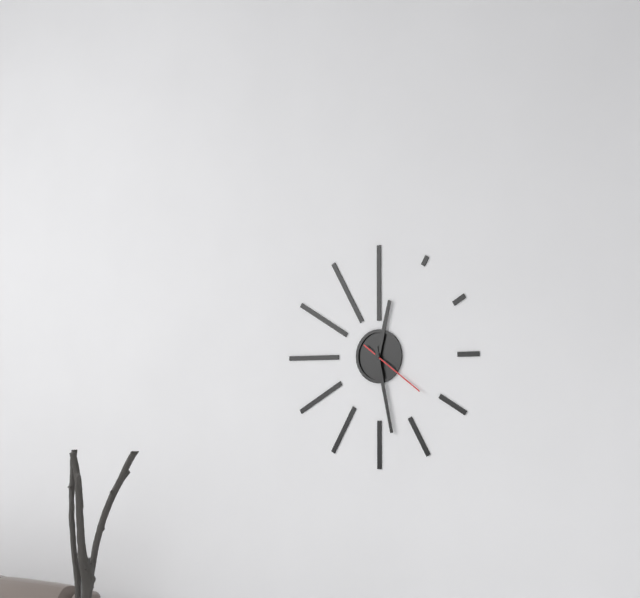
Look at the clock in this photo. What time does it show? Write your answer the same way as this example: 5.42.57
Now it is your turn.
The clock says 12.28.21
